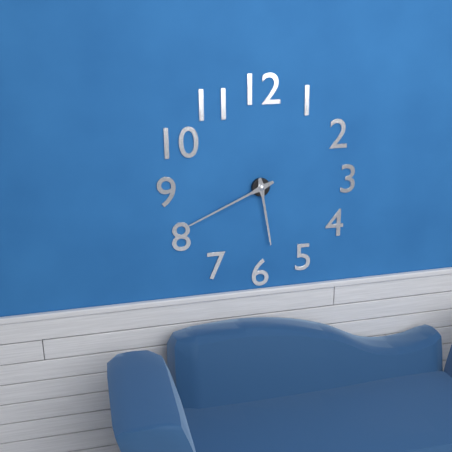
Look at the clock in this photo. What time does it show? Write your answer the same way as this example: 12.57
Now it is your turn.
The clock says 5.41
